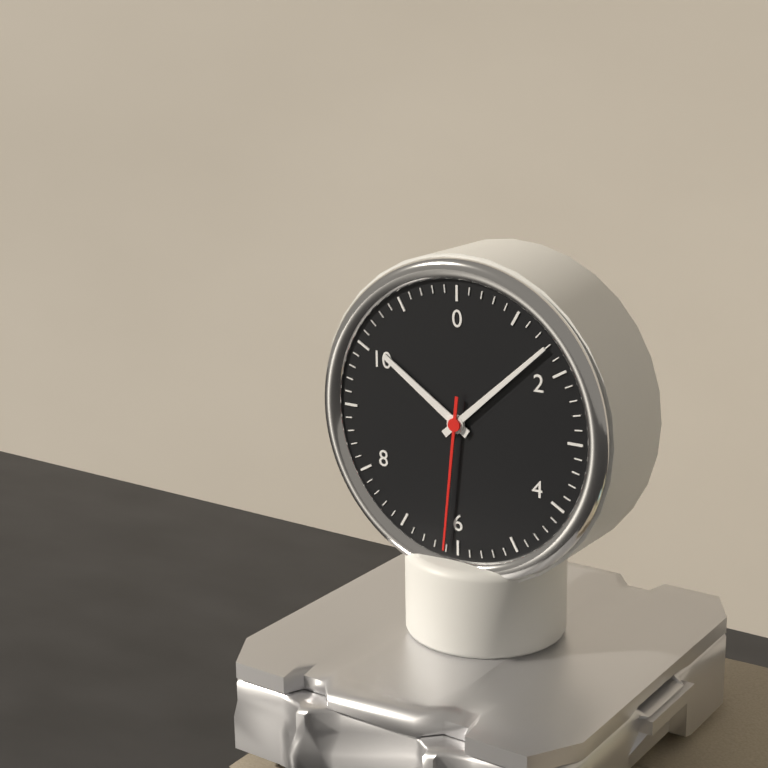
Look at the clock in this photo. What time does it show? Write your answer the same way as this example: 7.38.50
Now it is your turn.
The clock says 10.08.31
